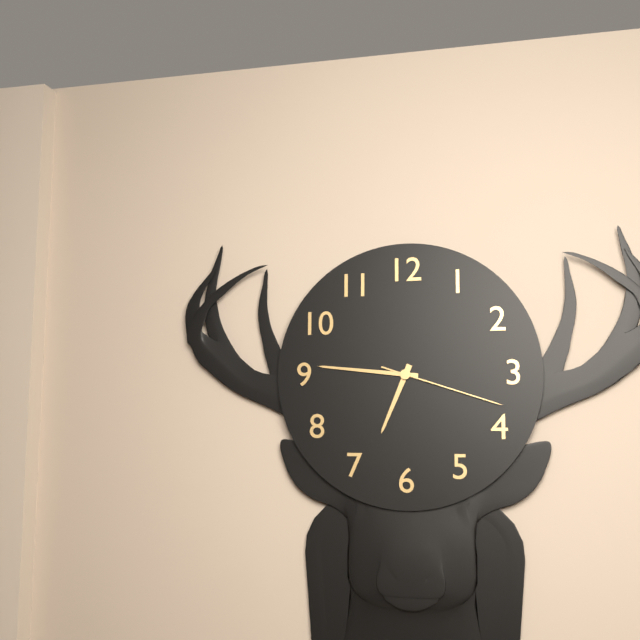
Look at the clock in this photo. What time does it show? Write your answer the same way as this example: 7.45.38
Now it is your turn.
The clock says 6.46.18
